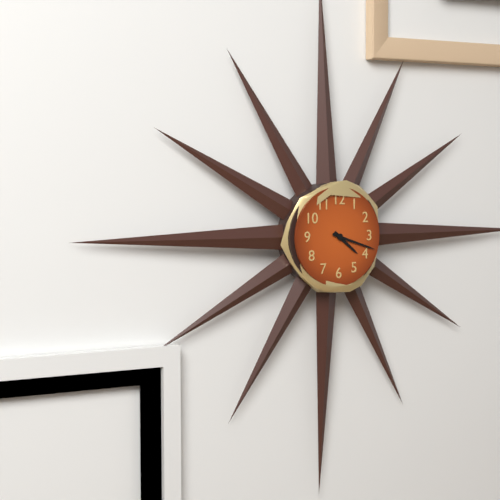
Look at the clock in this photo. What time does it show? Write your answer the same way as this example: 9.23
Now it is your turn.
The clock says 4.18
